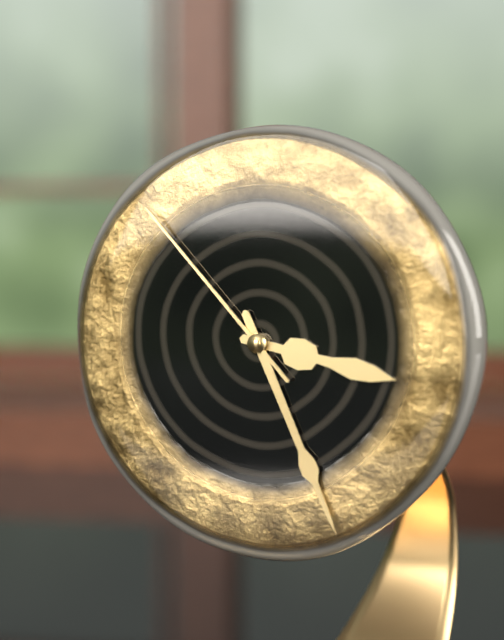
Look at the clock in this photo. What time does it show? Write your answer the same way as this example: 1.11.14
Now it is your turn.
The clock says 3.26.53
